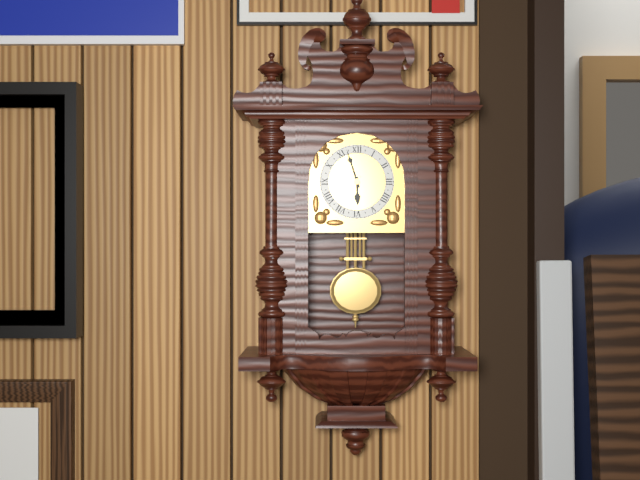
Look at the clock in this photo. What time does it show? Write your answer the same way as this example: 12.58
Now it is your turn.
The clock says 5.57
